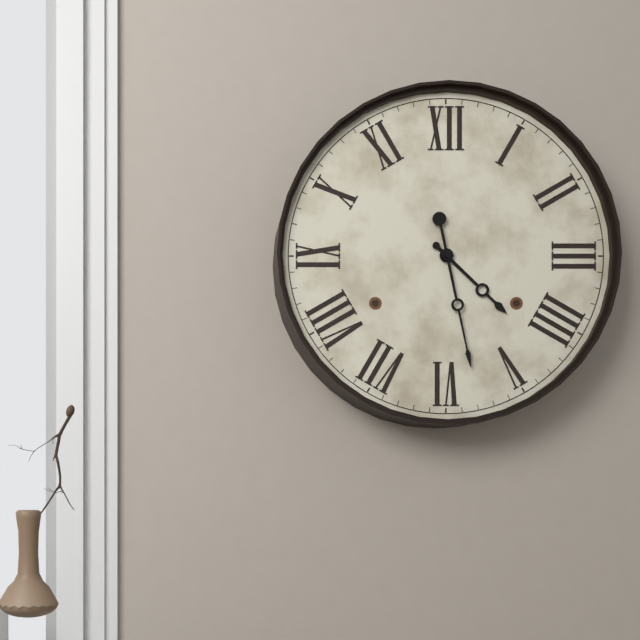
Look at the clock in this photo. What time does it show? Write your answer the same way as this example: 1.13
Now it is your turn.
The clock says 4.28
